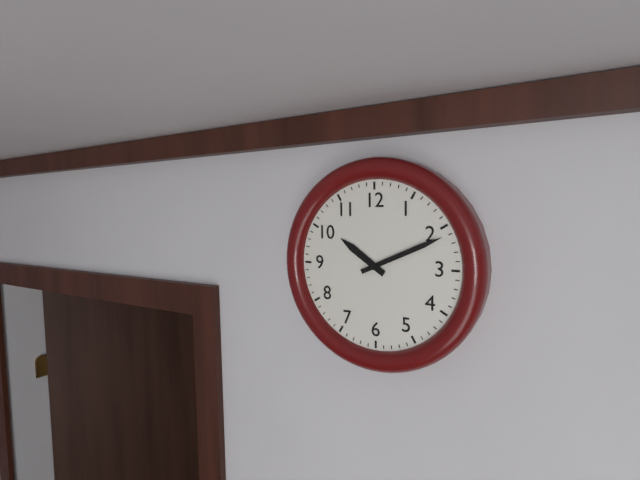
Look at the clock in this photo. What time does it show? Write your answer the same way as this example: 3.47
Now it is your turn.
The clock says 10.11
